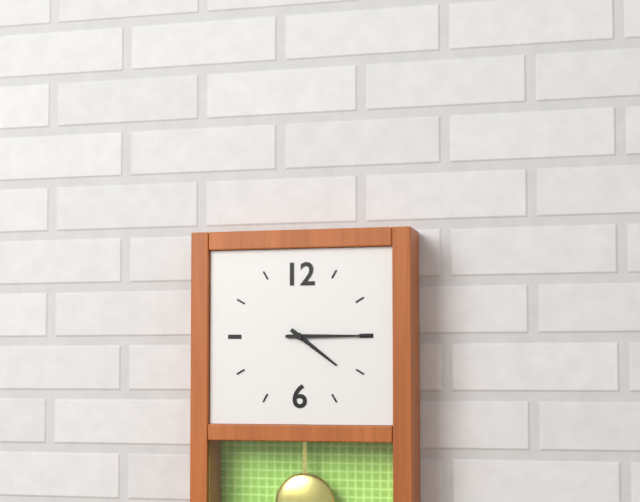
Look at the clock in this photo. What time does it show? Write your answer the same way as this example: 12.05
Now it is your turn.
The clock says 4.15
